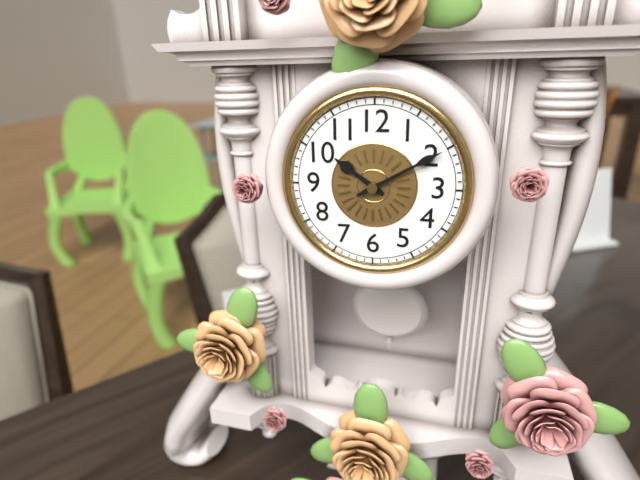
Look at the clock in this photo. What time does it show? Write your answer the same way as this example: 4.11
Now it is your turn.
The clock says 10.10
